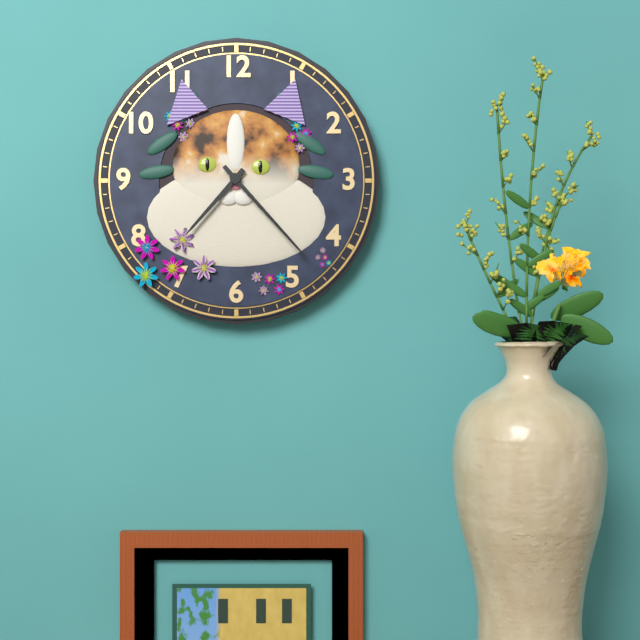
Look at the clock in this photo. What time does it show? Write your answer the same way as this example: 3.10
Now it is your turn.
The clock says 7.23
